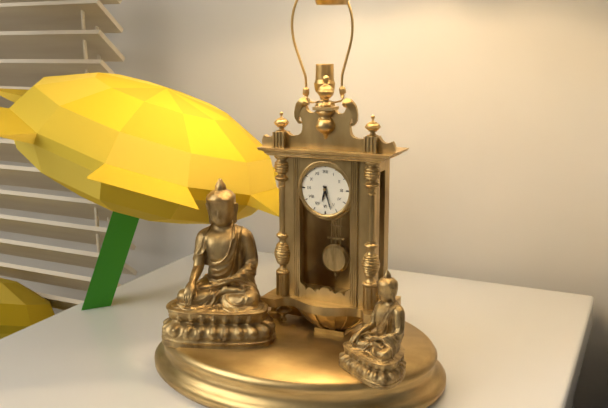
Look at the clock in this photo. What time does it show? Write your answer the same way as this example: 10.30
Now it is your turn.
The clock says 6.27
